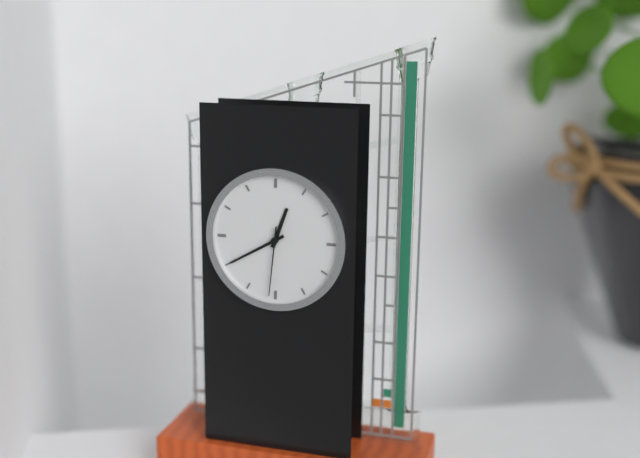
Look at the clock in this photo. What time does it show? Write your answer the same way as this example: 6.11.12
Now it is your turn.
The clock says 12.40.31
